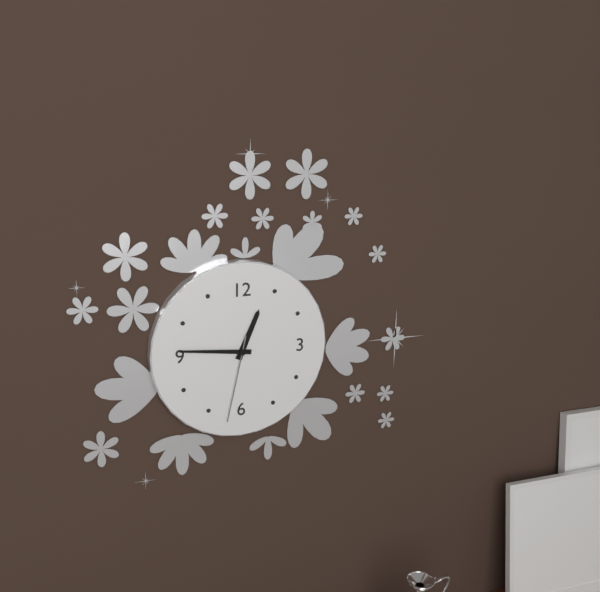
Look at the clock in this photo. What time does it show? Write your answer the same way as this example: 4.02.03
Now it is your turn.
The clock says 12.46.32
